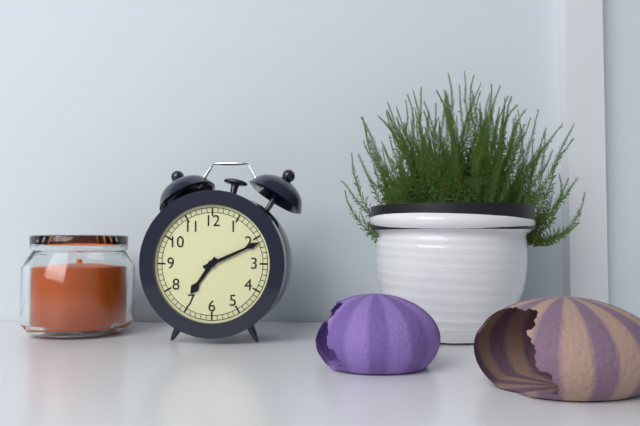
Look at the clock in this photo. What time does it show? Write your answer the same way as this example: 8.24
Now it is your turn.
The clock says 7.11
